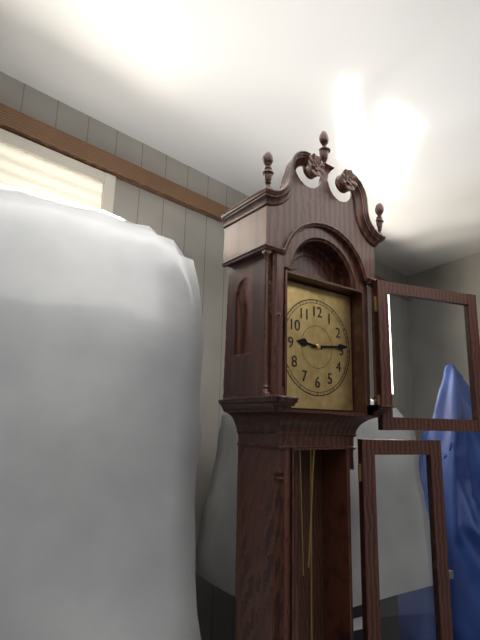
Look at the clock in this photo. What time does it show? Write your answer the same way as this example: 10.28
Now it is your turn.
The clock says 9.14
